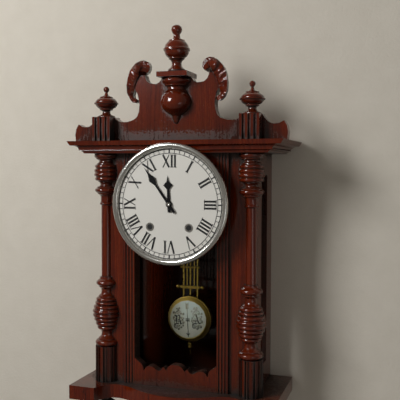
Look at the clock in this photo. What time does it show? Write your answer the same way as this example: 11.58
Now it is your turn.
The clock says 11.54
